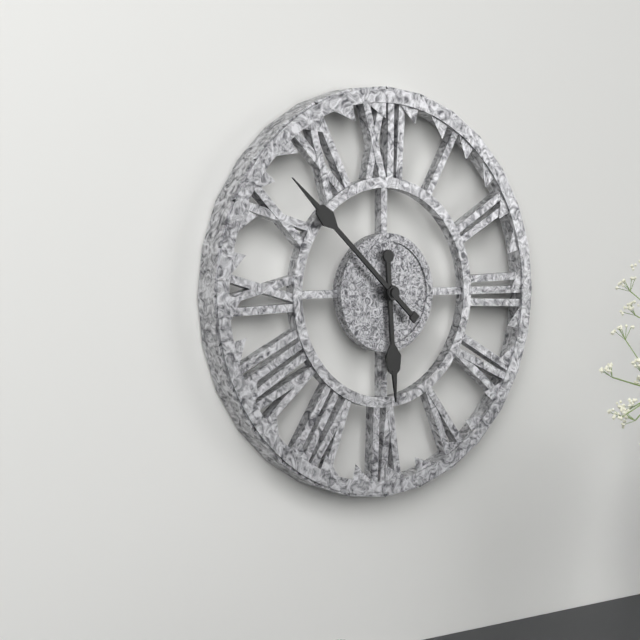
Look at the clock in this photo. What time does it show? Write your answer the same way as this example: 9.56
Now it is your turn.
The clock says 5.52
